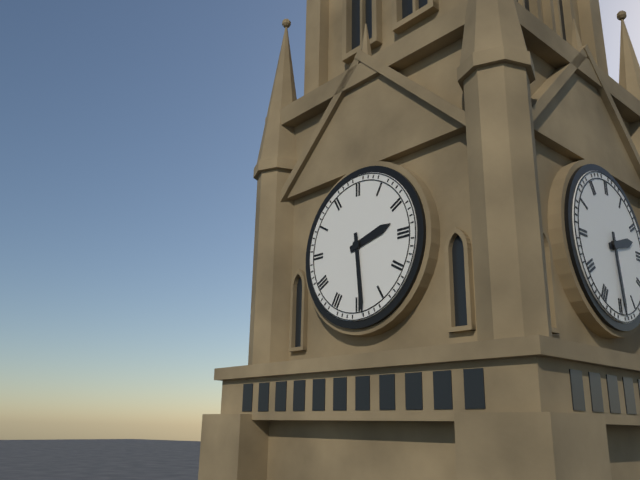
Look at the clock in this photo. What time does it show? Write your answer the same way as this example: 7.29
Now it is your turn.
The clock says 2.29
